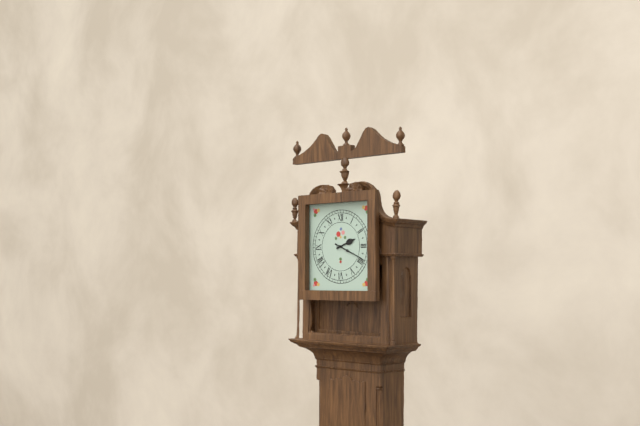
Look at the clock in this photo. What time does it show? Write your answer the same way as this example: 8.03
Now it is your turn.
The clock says 2.19
